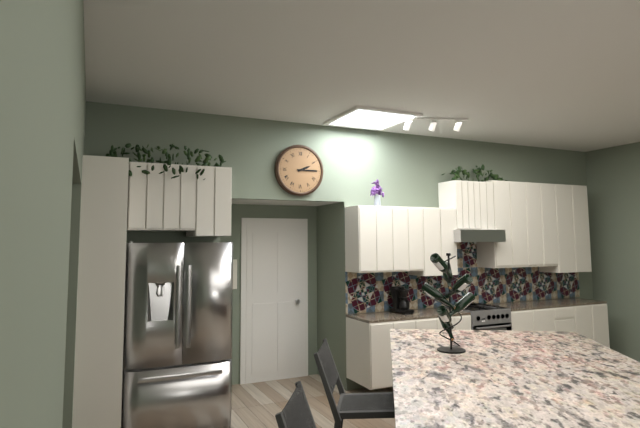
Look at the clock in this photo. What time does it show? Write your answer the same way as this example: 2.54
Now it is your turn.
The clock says 2.15
